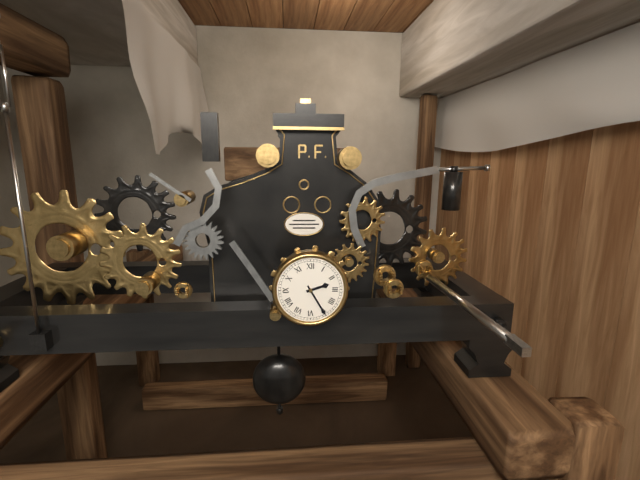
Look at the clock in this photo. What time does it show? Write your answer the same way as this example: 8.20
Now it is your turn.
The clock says 2.25
